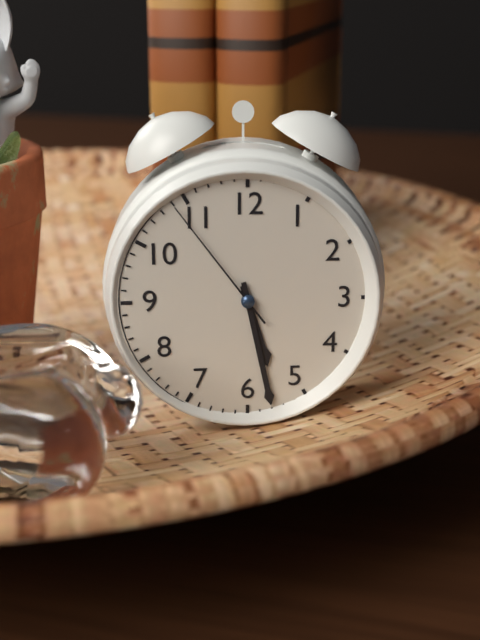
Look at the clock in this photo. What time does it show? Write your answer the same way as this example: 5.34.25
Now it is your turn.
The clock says 5.28.54
